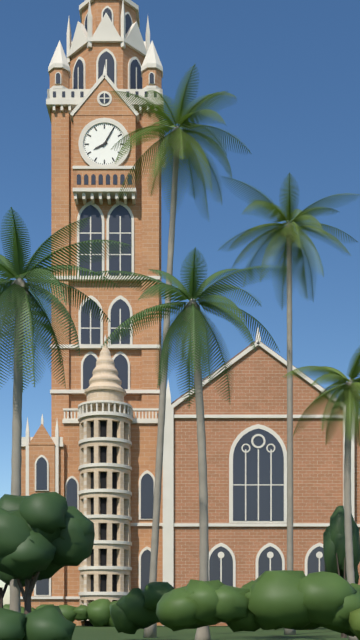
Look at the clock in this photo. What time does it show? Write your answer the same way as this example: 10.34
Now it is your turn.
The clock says 8.05
